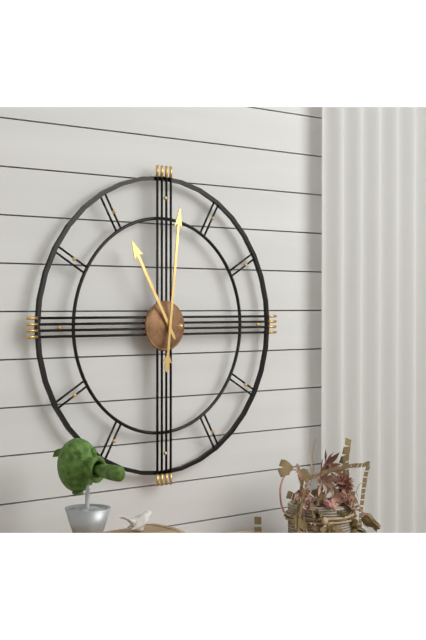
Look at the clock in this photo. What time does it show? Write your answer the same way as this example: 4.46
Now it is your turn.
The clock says 11.01
